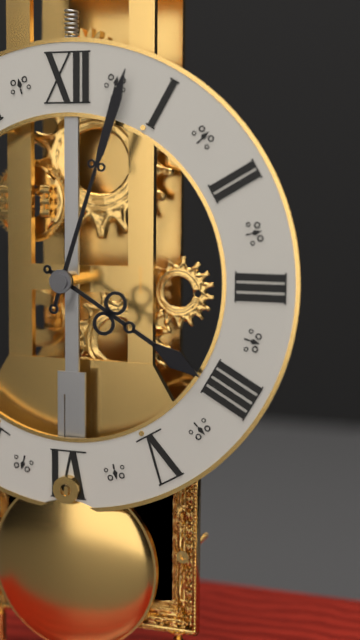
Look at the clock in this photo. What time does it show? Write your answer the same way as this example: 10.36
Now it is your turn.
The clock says 4.03
